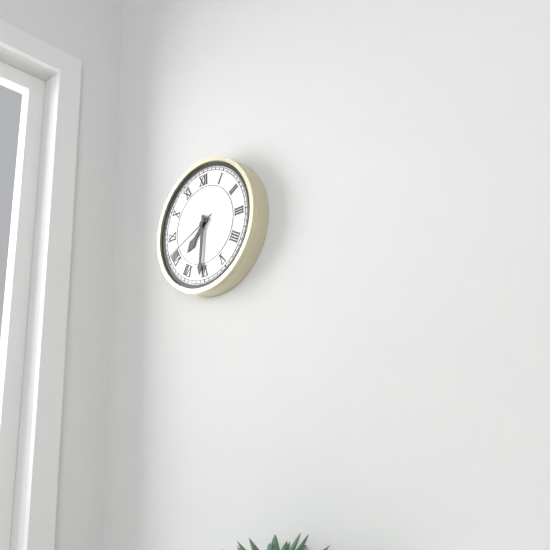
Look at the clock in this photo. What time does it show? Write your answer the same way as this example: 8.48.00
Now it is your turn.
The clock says 7.31.41
